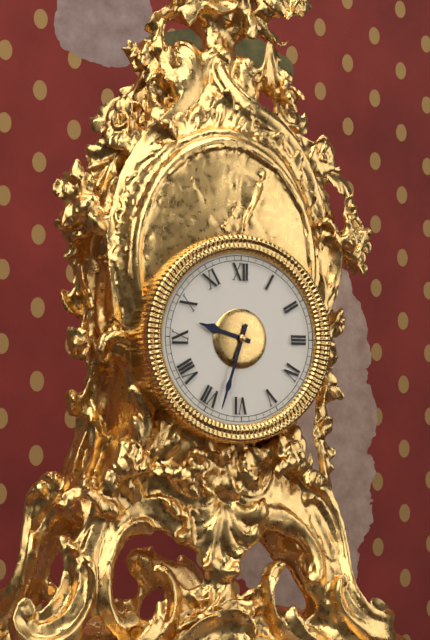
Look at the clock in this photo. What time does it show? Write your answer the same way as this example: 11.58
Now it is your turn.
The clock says 9.33
